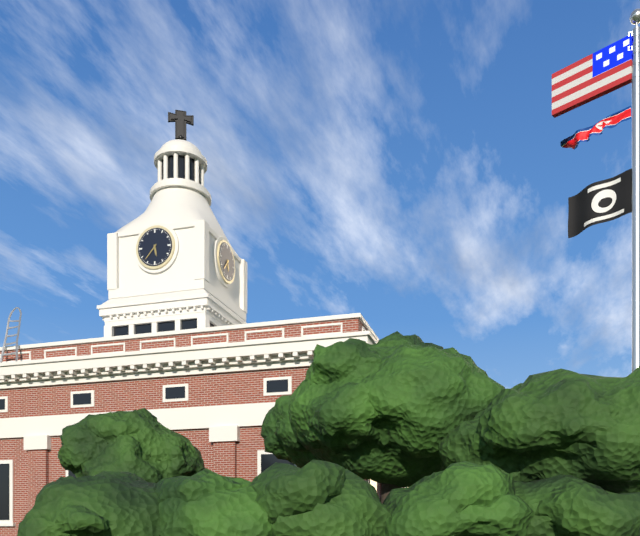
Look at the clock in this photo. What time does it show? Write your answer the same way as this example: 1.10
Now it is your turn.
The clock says 5.37
